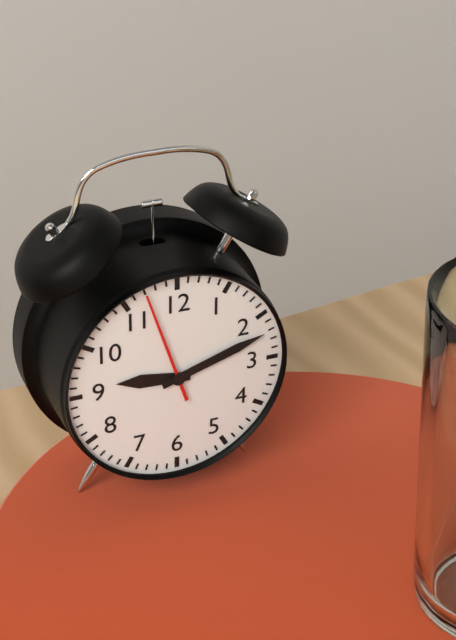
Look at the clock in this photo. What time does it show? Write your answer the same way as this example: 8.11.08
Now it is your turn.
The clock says 9.12.57
